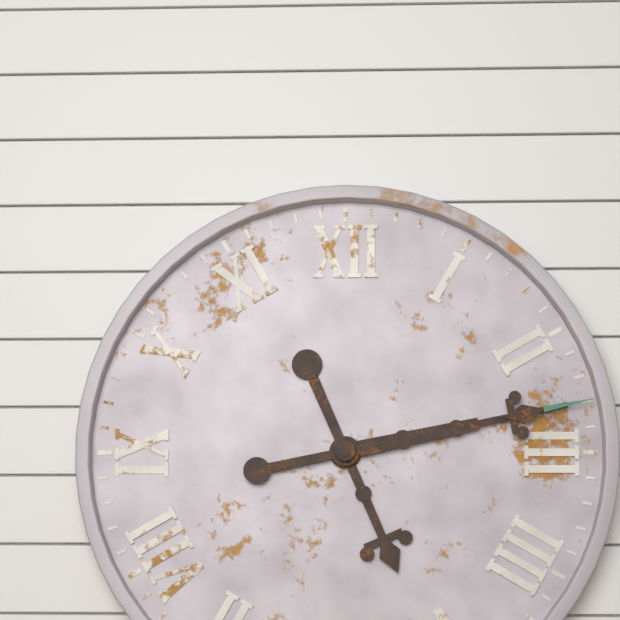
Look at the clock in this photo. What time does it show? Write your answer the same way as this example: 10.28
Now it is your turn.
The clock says 5.13
